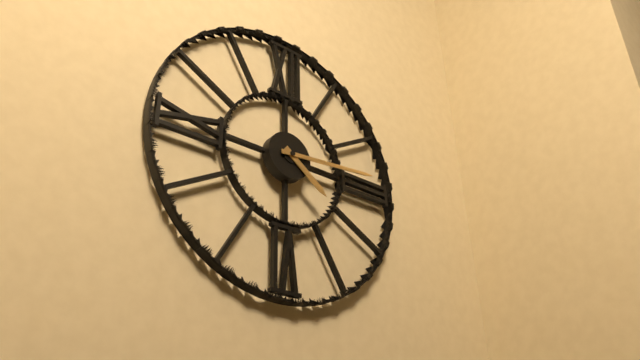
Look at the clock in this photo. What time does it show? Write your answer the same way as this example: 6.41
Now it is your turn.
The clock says 4.14
